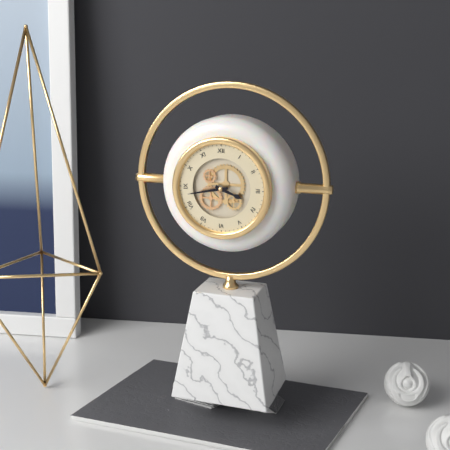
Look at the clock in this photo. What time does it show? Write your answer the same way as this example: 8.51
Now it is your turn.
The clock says 3.43
